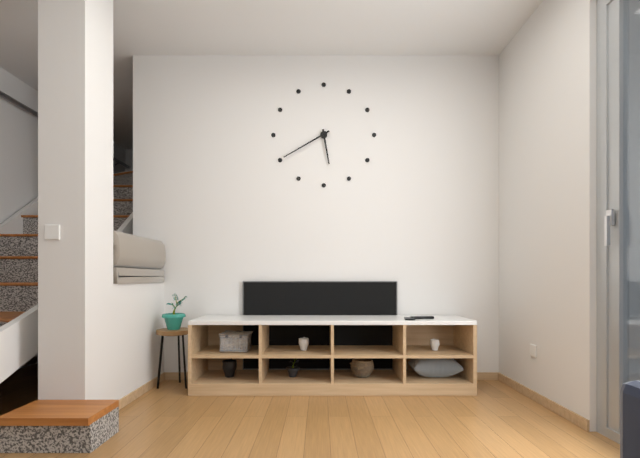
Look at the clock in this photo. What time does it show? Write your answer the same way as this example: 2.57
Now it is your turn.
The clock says 5.40
